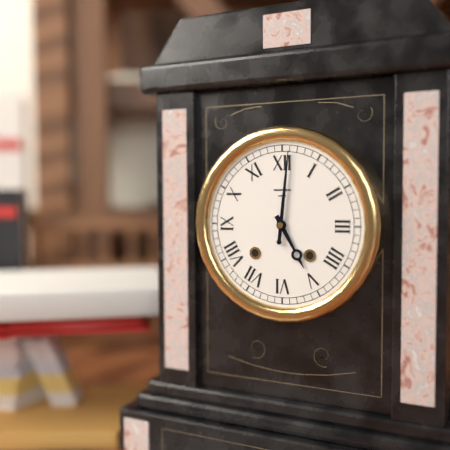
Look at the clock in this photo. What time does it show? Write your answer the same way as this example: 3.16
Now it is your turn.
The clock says 5.01
